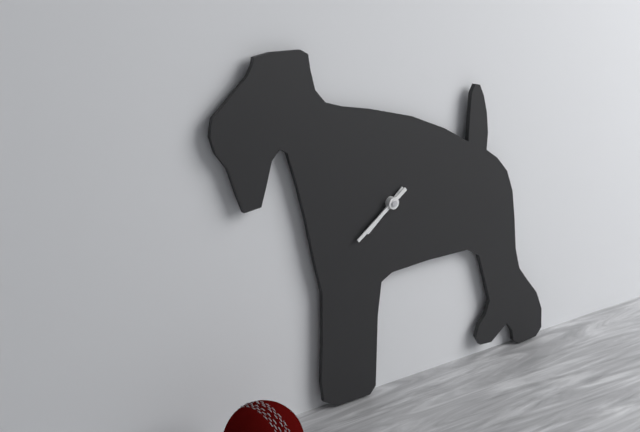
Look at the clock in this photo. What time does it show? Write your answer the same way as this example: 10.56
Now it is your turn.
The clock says 7.39
